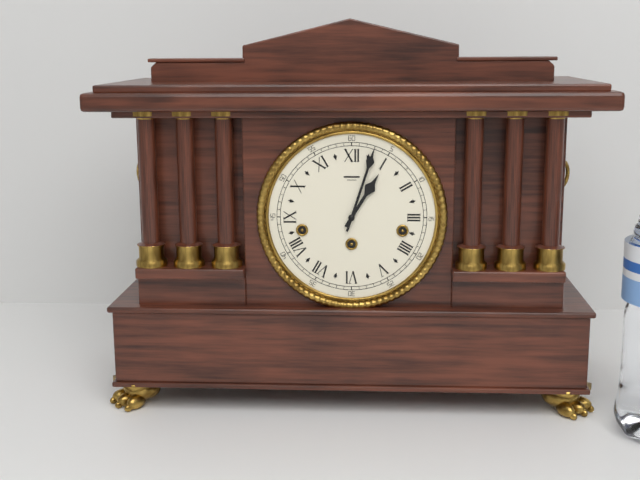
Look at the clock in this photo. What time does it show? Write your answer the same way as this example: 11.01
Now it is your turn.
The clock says 1.03
